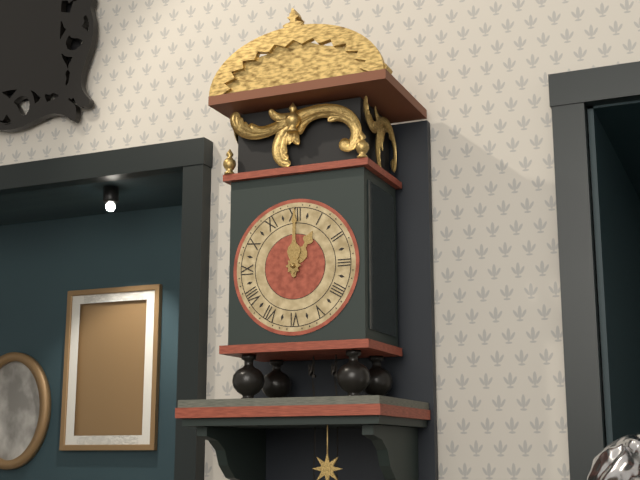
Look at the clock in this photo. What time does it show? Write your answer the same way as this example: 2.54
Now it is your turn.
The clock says 1.00
